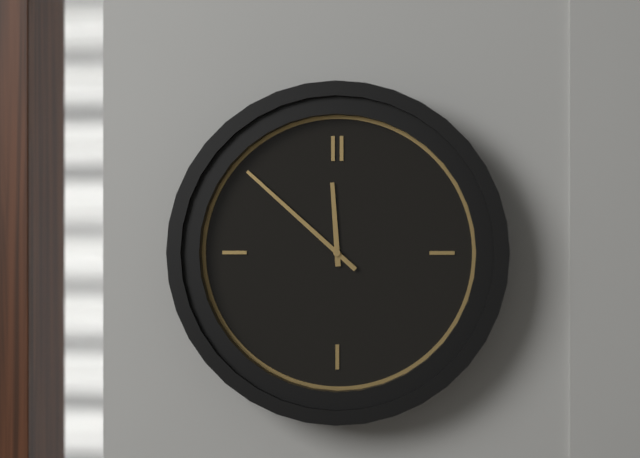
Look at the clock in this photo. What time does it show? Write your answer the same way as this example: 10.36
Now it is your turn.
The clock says 11.52
